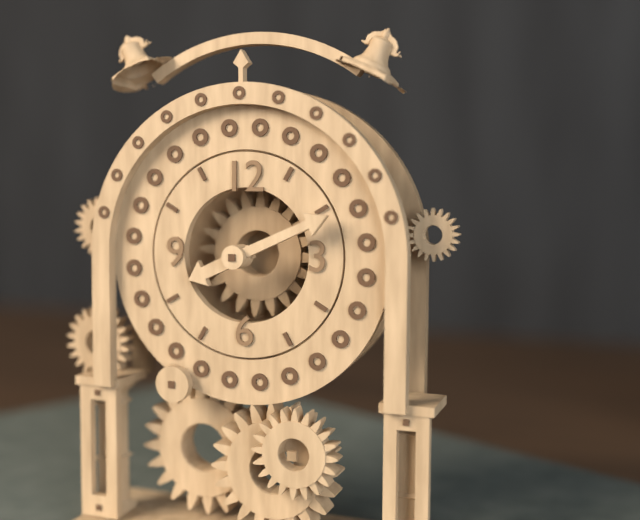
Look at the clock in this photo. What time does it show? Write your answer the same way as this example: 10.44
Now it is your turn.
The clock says 8.11
